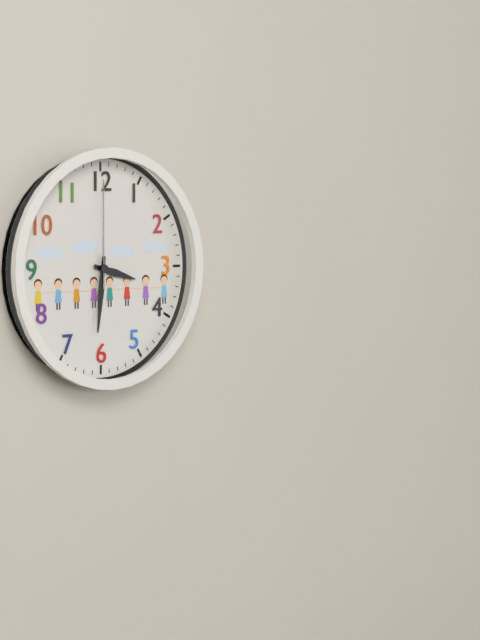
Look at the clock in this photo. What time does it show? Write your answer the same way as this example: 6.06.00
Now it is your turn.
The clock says 3.31.00
